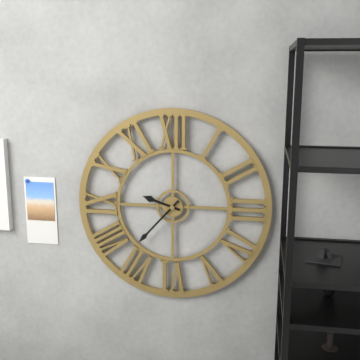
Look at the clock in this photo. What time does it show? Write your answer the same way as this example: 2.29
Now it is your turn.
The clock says 9.37
